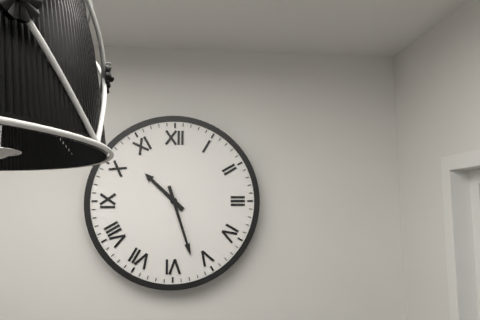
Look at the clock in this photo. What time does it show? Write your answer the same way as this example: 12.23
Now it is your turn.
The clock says 10.27
